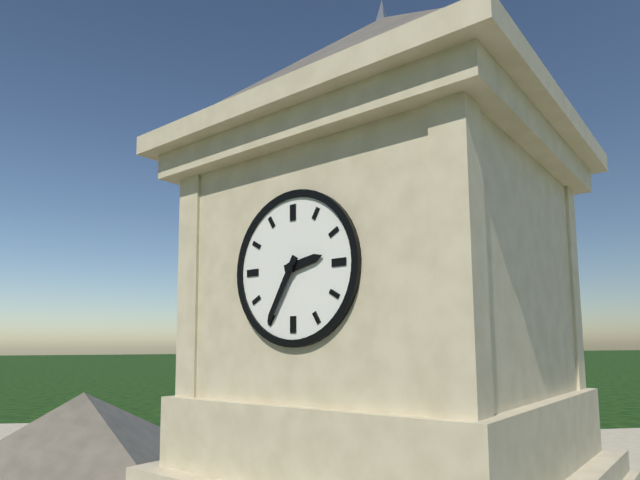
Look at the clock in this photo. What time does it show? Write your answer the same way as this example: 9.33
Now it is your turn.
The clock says 2.35
